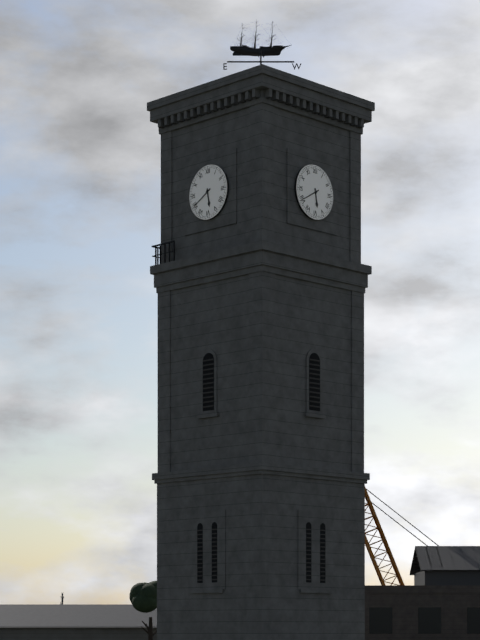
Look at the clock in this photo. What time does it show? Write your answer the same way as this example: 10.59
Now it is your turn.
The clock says 5.40
